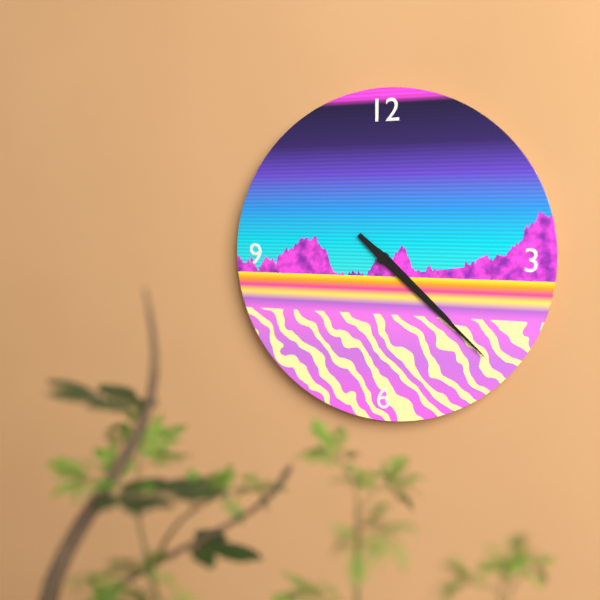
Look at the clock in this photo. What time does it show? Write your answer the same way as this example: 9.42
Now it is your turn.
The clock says 4.22
